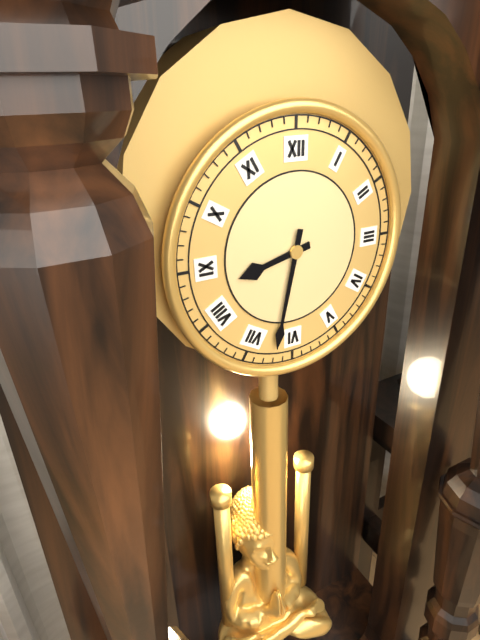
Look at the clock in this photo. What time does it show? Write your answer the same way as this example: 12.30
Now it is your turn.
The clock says 8.32
